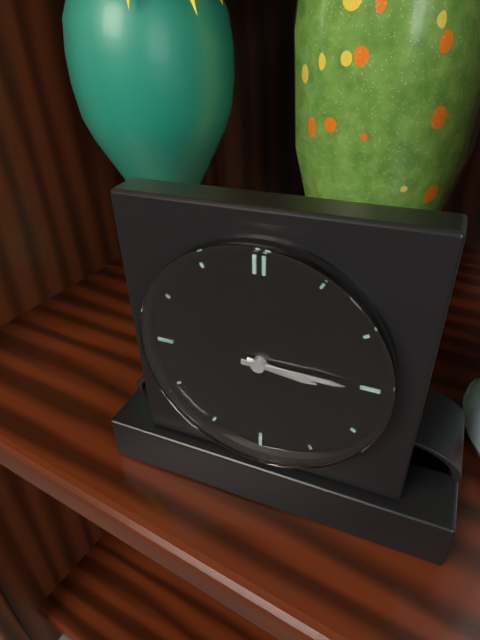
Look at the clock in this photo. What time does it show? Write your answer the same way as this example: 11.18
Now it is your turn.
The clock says 3.15
